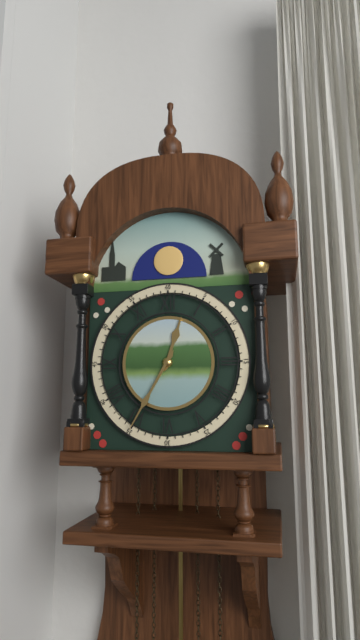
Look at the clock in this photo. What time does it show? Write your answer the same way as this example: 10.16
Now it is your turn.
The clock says 12.35
